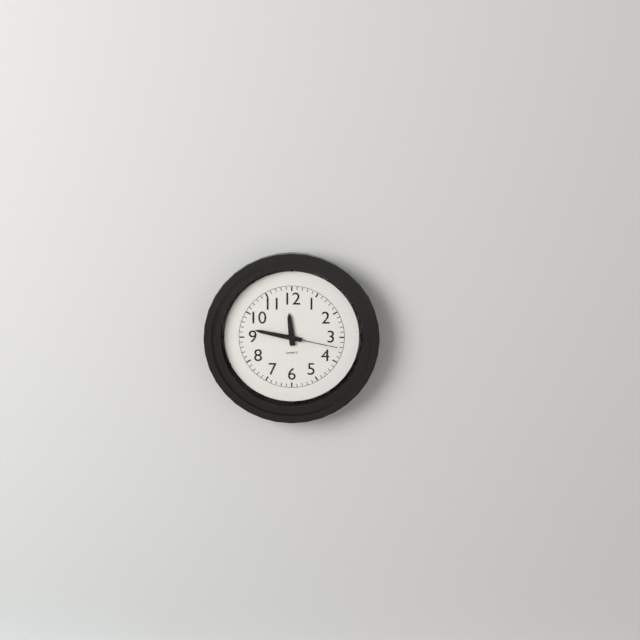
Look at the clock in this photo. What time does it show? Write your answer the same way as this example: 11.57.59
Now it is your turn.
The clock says 11.47.17
